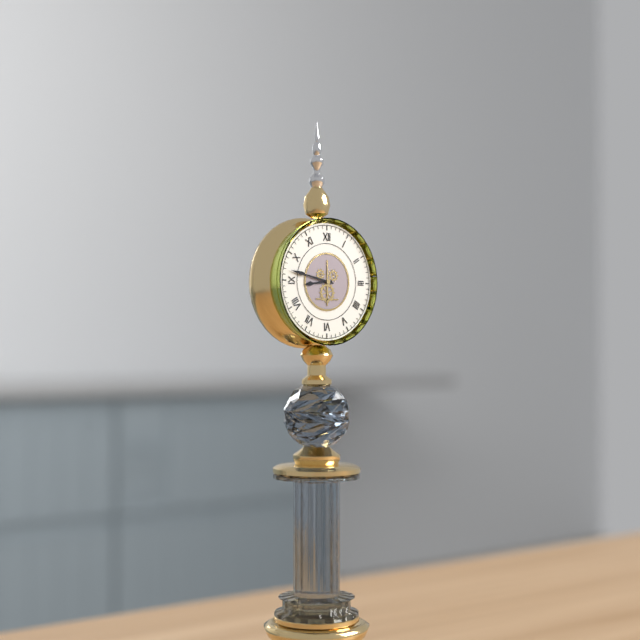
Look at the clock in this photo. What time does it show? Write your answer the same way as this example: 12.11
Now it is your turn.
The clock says 8.47
